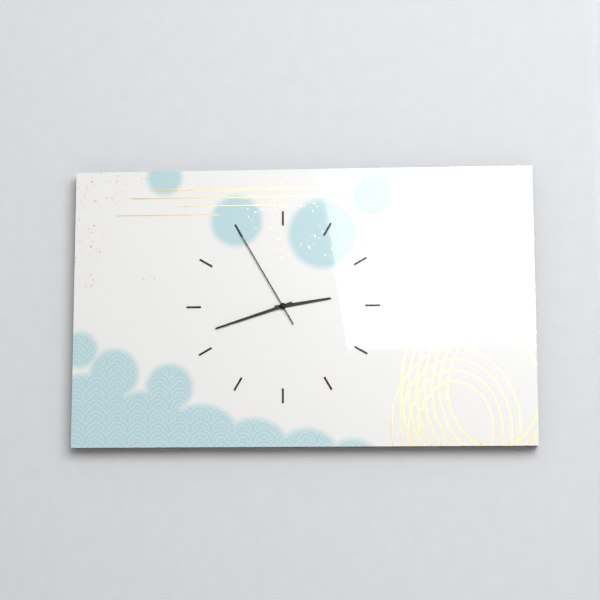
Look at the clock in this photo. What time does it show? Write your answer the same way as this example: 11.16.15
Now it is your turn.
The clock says 2.42.55
